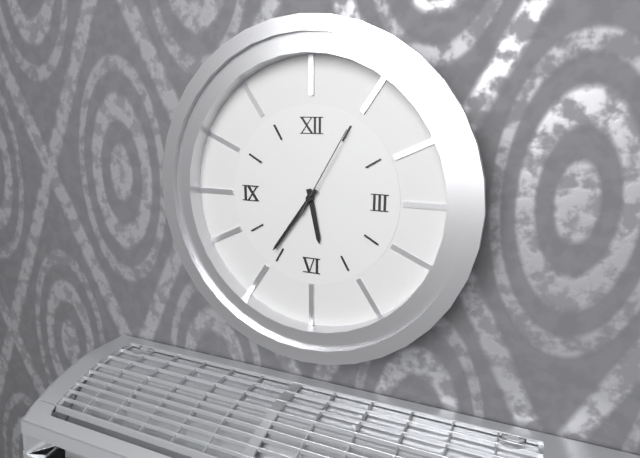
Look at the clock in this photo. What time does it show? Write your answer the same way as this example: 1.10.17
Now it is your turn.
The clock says 5.36.05
